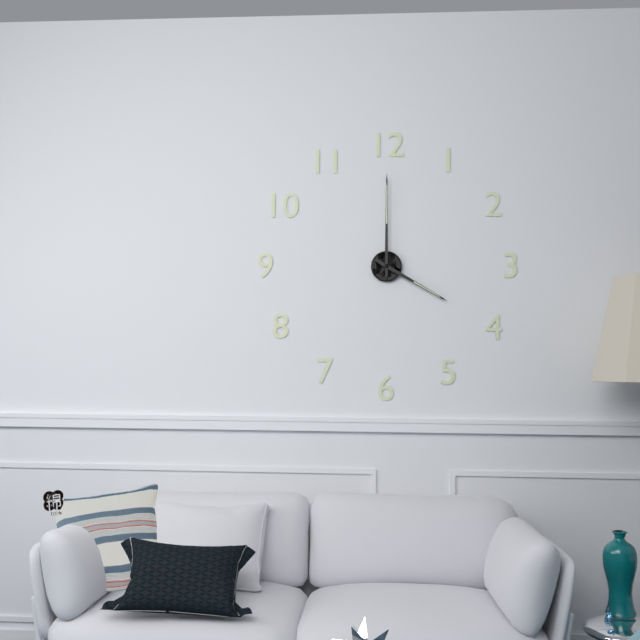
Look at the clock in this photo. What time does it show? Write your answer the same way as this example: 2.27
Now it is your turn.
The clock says 4.00
